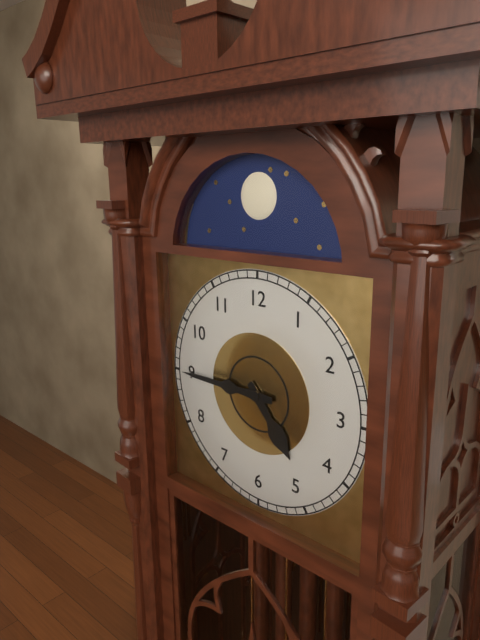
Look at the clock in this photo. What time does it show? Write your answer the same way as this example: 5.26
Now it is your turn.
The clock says 4.45
